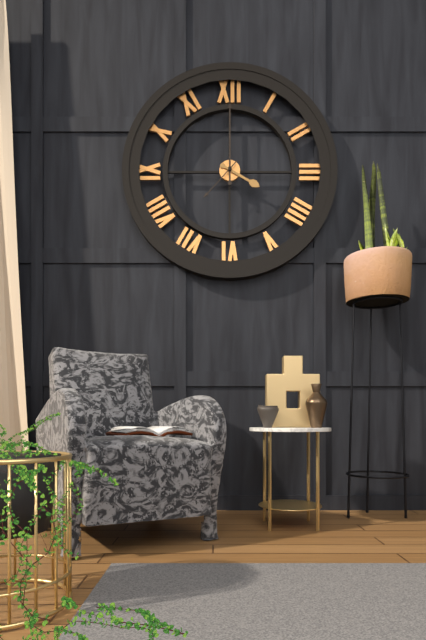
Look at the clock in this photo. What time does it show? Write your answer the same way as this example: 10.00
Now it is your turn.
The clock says 4.00
